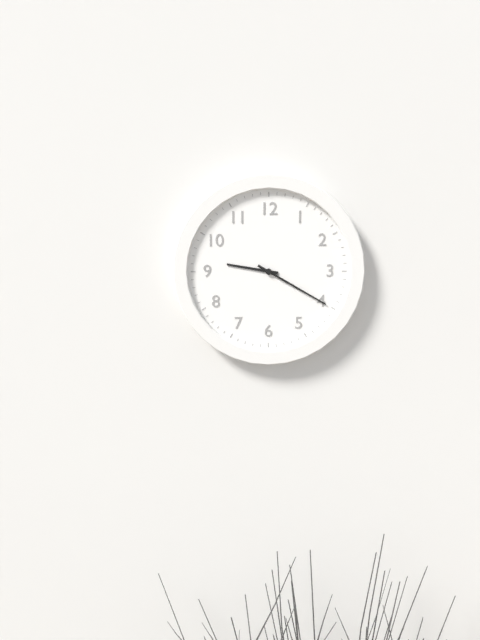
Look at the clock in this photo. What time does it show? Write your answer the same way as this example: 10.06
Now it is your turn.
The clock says 9.20
